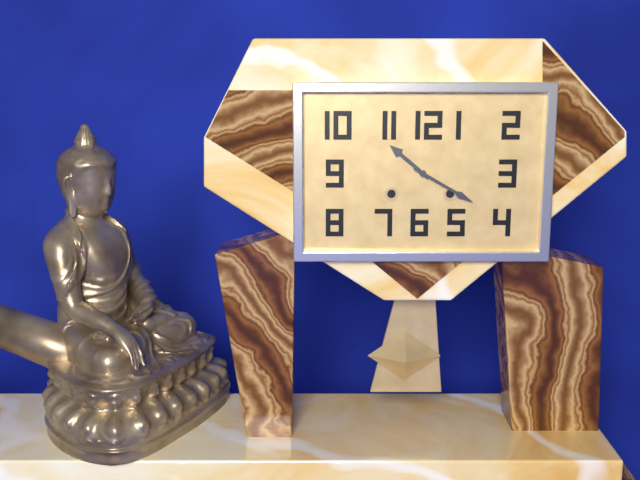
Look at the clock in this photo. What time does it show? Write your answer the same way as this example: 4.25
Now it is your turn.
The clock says 10.20
